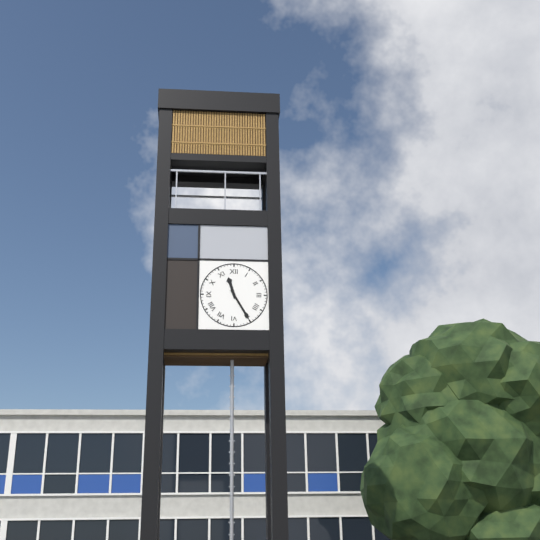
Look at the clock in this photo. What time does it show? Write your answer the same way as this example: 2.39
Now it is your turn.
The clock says 11.25
